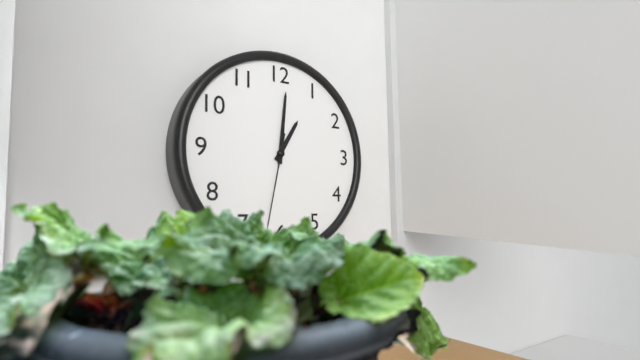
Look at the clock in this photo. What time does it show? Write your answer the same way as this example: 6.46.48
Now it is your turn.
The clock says 1.01.32
